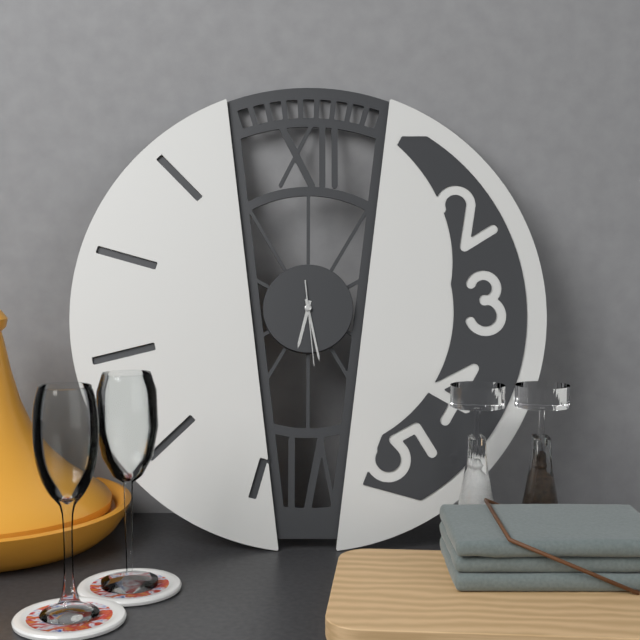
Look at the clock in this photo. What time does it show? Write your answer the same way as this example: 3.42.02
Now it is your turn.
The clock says 6.28.29
